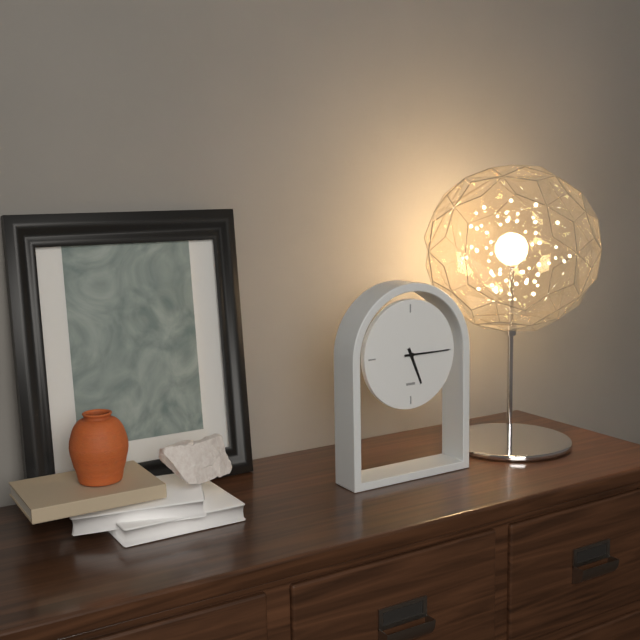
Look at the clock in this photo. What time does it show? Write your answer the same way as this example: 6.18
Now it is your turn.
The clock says 5.15
